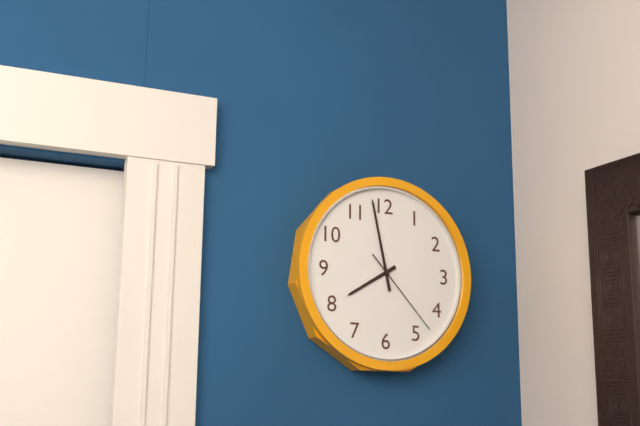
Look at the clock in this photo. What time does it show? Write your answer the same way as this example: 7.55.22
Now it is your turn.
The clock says 7.58.23
